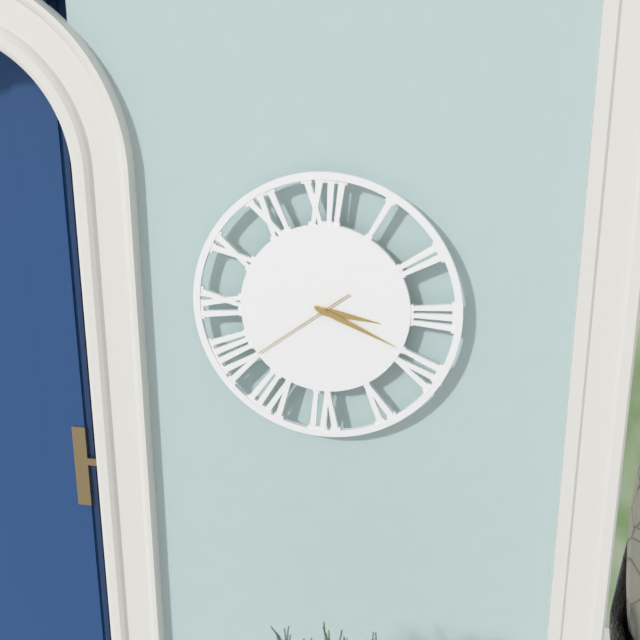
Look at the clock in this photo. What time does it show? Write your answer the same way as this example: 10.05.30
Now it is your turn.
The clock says 3.19.39
